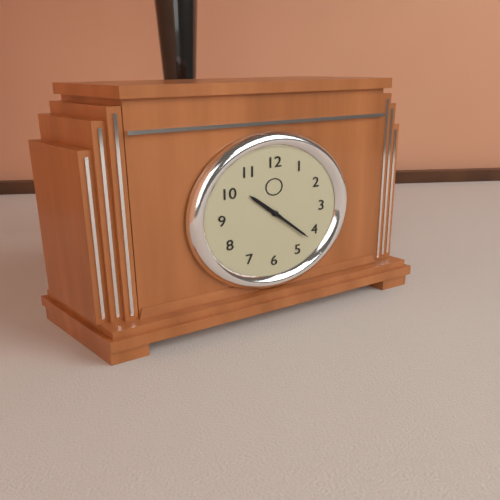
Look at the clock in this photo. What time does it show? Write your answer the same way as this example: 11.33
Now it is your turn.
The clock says 10.22
